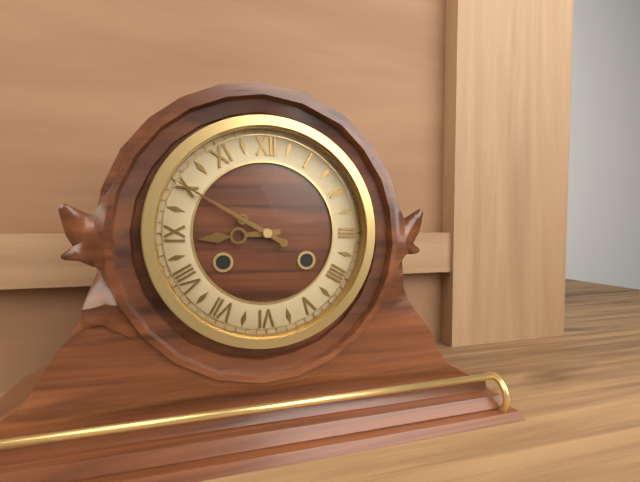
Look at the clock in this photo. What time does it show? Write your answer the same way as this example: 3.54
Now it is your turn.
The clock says 8.50
